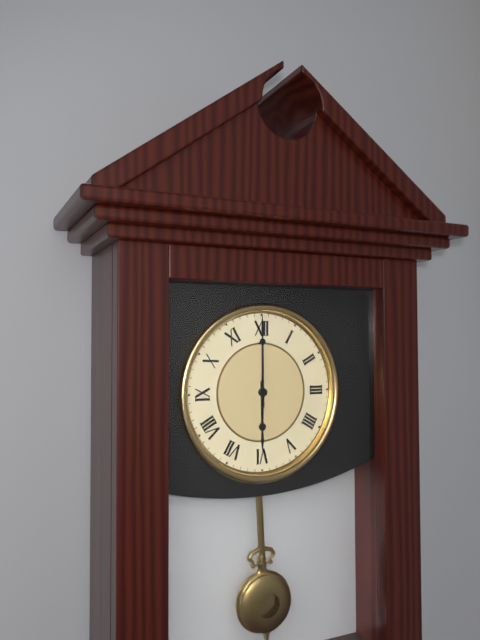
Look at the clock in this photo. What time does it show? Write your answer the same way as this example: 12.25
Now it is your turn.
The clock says 6.00
